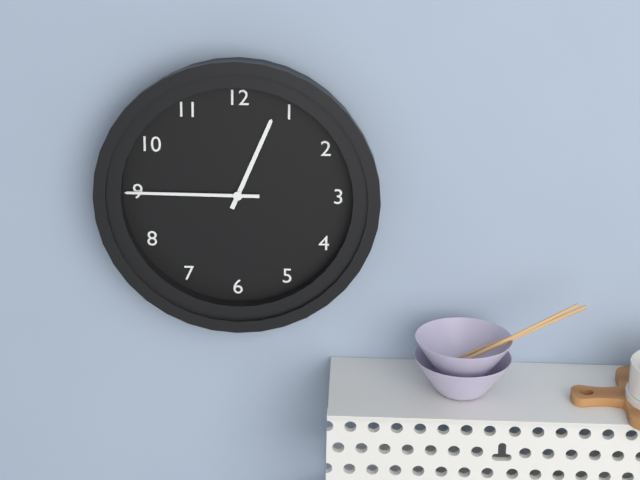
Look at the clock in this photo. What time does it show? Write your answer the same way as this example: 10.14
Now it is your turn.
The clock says 12.45
